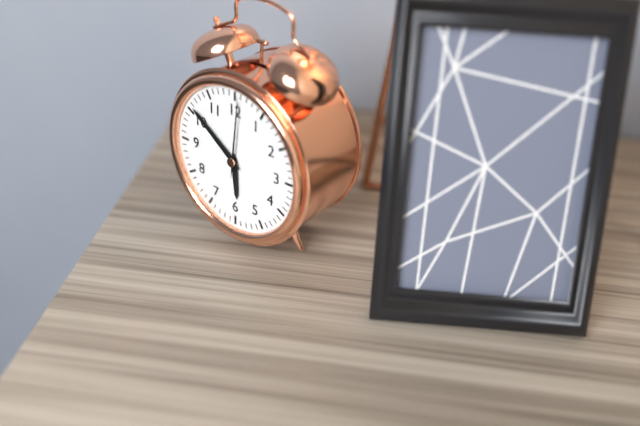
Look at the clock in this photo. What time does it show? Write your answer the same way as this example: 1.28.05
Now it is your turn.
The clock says 5.51.01
